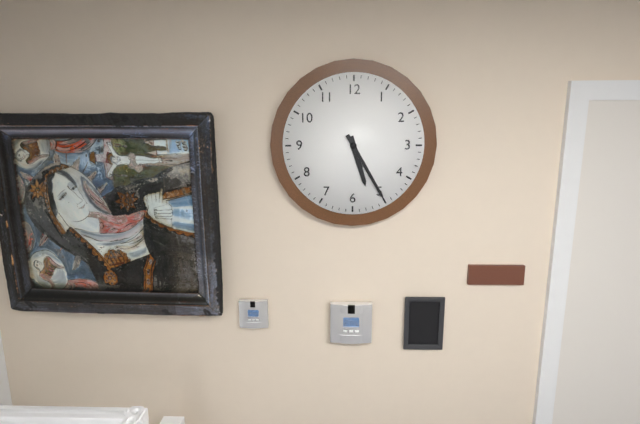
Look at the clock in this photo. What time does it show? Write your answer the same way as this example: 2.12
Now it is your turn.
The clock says 5.25
